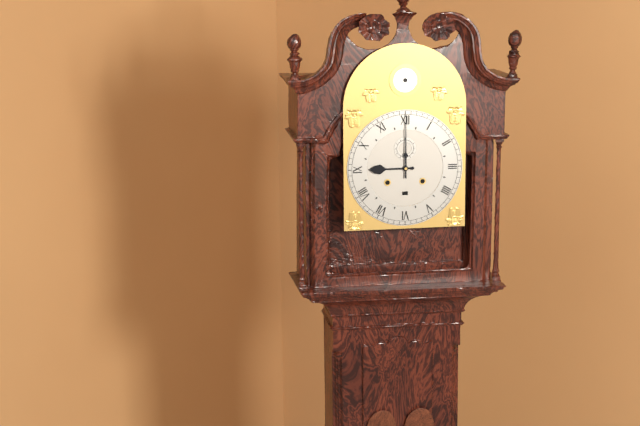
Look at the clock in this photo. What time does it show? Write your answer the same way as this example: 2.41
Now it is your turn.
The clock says 9.00
